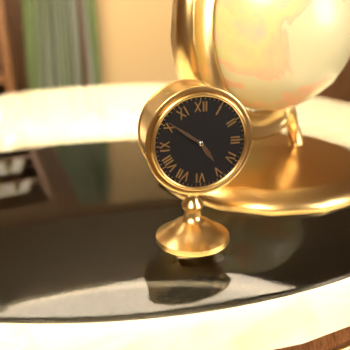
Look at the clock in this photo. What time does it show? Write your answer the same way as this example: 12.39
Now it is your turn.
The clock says 4.51
